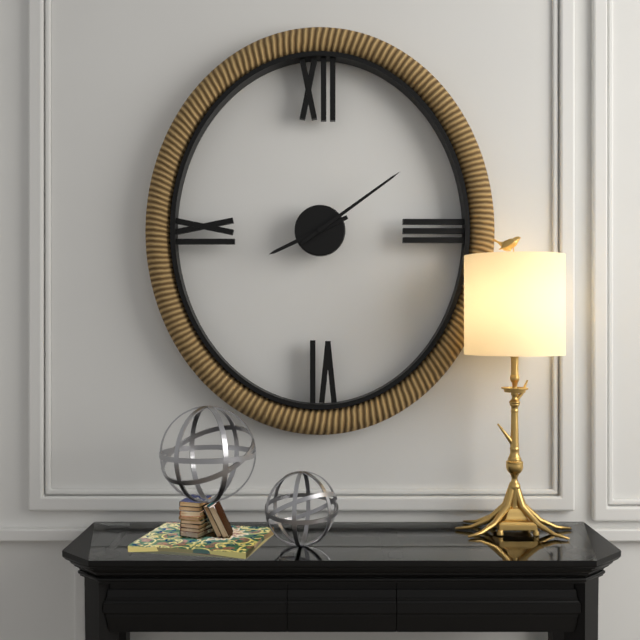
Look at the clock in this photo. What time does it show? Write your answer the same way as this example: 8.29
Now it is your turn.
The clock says 8.09
